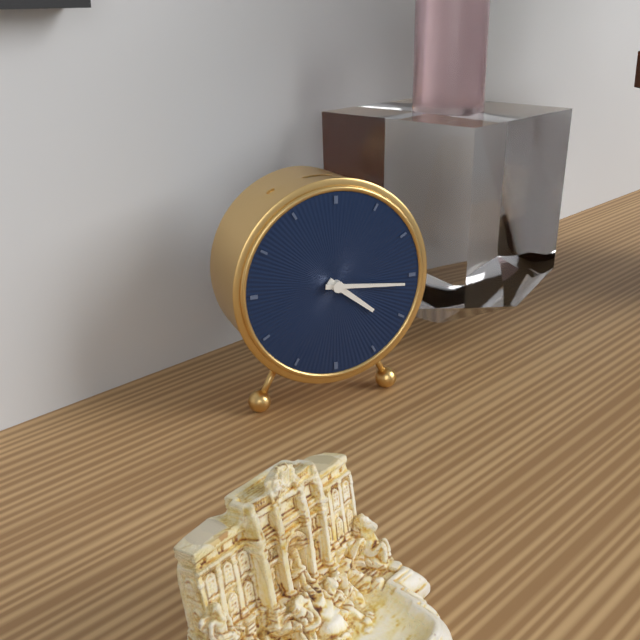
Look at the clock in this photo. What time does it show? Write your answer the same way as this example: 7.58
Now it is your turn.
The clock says 4.16
